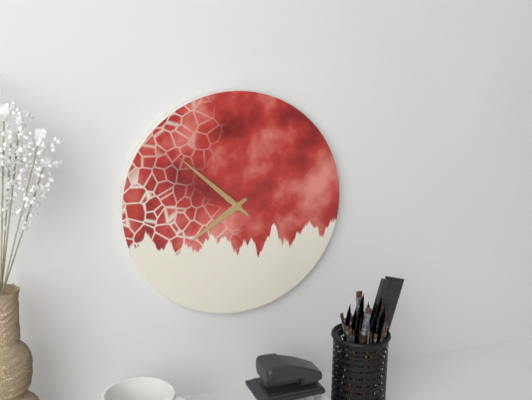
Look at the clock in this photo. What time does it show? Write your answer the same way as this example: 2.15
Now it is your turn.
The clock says 7.52
